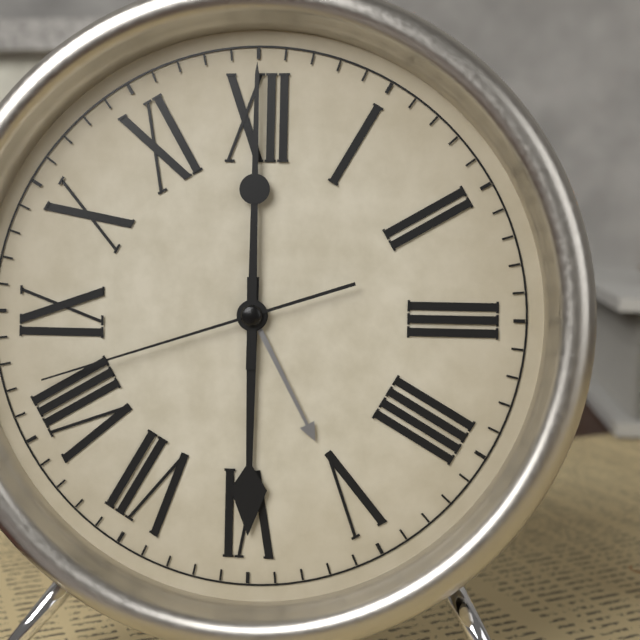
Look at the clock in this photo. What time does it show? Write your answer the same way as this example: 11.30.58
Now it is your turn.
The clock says 6.00.42
